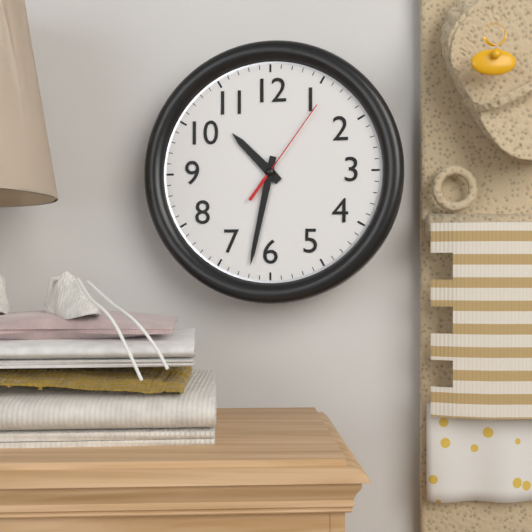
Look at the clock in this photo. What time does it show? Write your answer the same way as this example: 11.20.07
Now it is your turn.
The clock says 10.32.06
